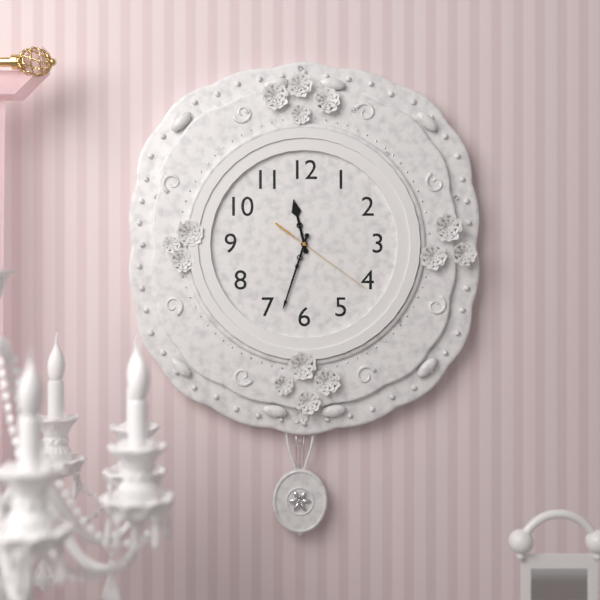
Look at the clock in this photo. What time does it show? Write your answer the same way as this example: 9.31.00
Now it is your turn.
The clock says 11.33.21
